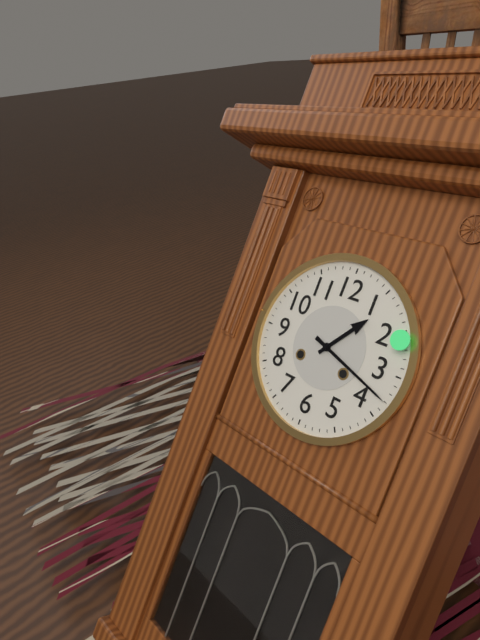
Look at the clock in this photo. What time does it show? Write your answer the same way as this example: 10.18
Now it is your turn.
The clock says 1.18
